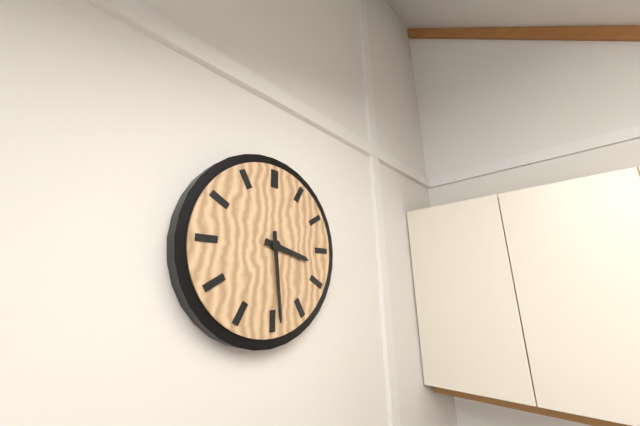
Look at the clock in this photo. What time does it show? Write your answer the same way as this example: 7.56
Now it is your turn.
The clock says 3.29
